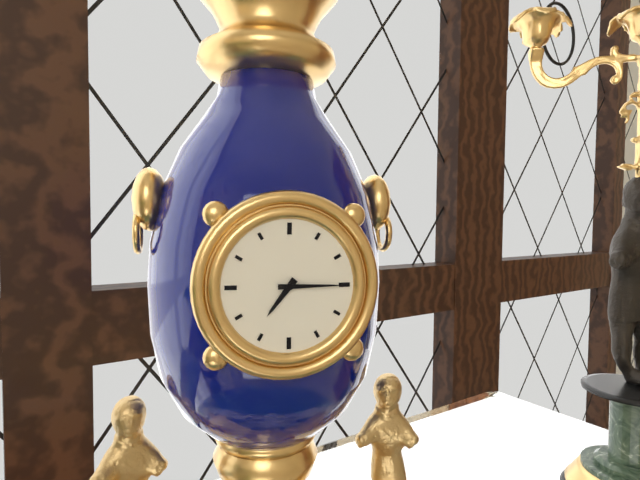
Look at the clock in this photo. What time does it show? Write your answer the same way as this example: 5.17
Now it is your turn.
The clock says 7.15
